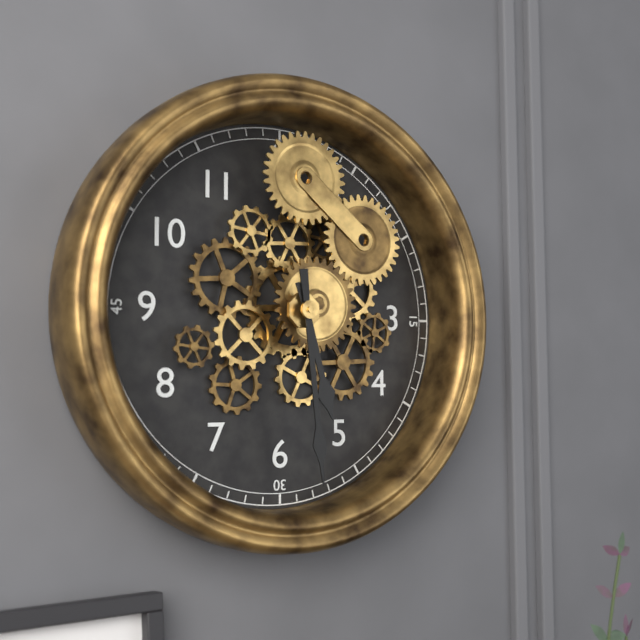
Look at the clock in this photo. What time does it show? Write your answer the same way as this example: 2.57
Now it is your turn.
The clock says 5.29
